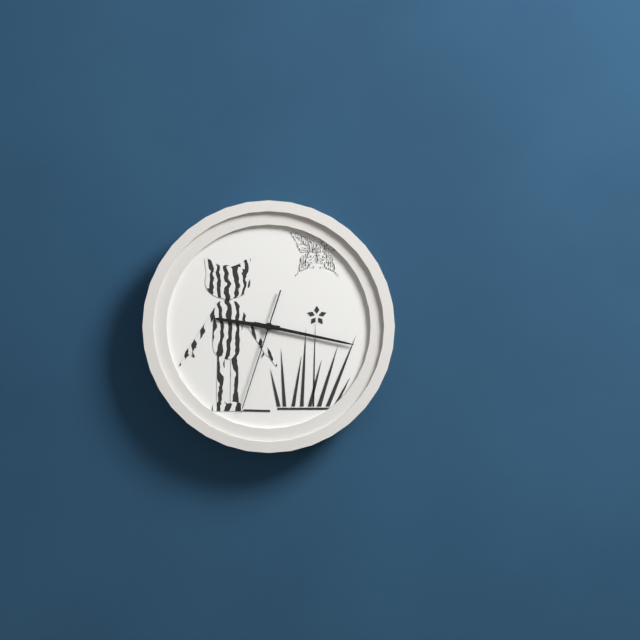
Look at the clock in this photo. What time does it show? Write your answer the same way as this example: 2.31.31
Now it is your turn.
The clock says 9.17.33
